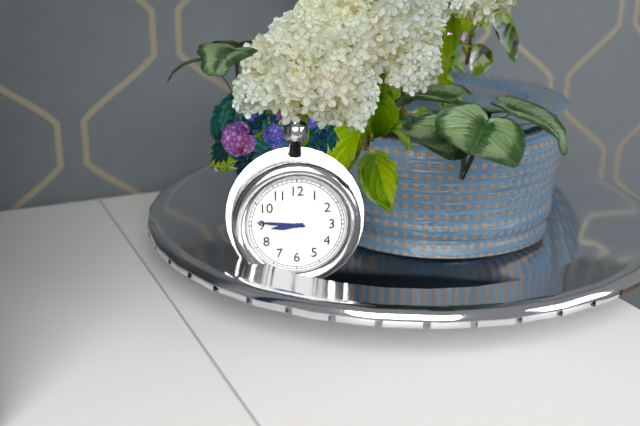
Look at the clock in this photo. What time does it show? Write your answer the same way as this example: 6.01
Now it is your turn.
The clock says 8.46
